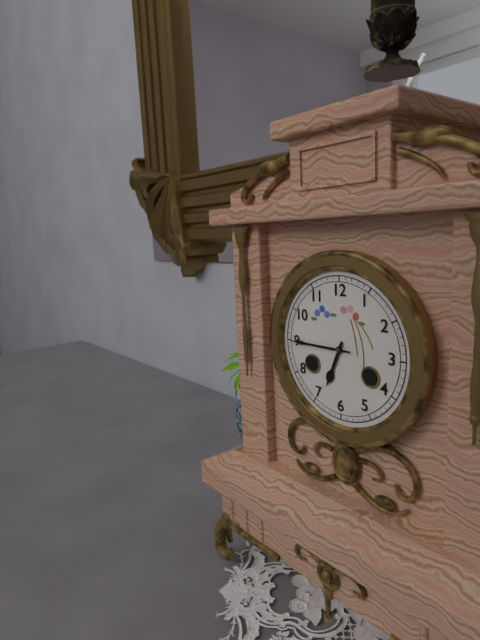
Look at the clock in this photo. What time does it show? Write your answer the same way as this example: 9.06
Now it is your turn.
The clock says 6.45
